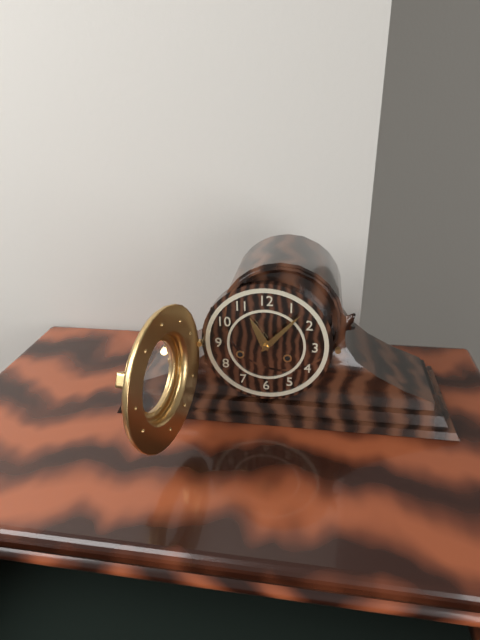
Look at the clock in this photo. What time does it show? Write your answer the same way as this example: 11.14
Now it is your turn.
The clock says 11.07
